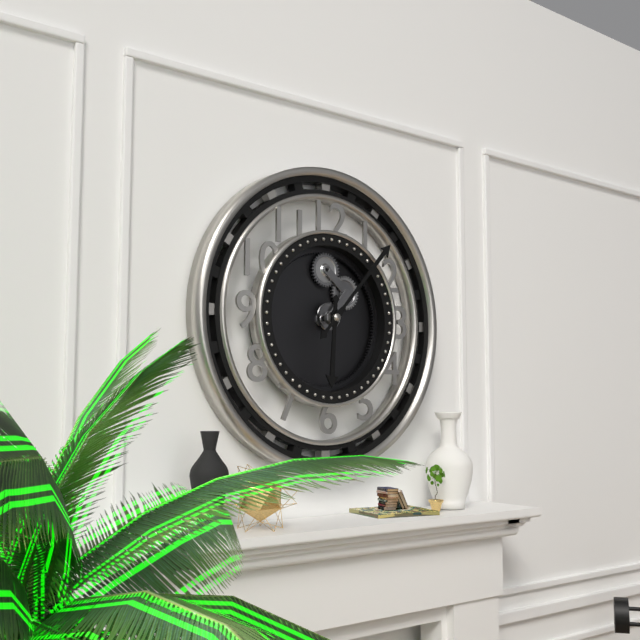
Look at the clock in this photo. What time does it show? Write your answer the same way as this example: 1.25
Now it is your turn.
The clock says 6.07
